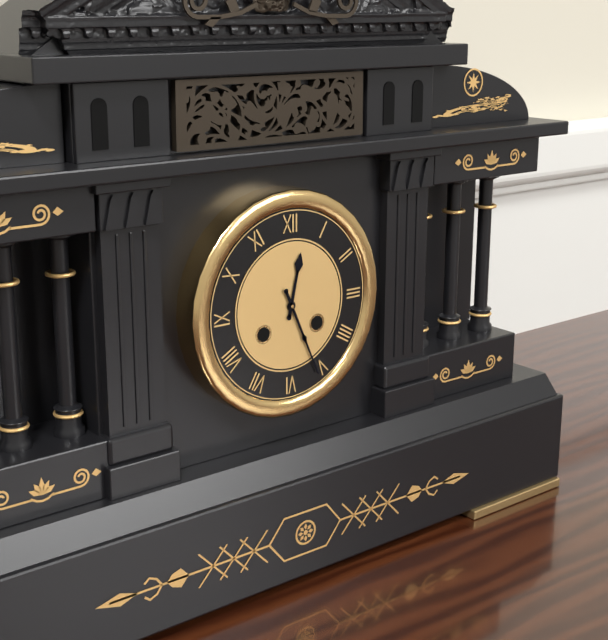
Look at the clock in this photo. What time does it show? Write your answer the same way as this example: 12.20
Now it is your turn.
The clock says 12.26
